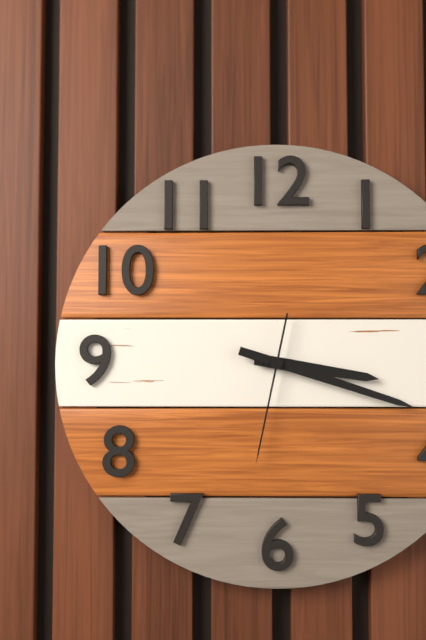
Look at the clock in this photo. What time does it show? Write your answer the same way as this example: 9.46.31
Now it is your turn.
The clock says 3.18.32
